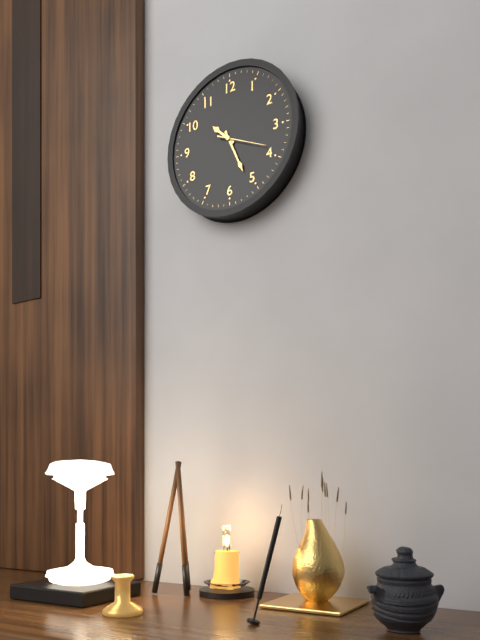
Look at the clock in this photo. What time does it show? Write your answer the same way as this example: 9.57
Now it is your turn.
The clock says 10.26
